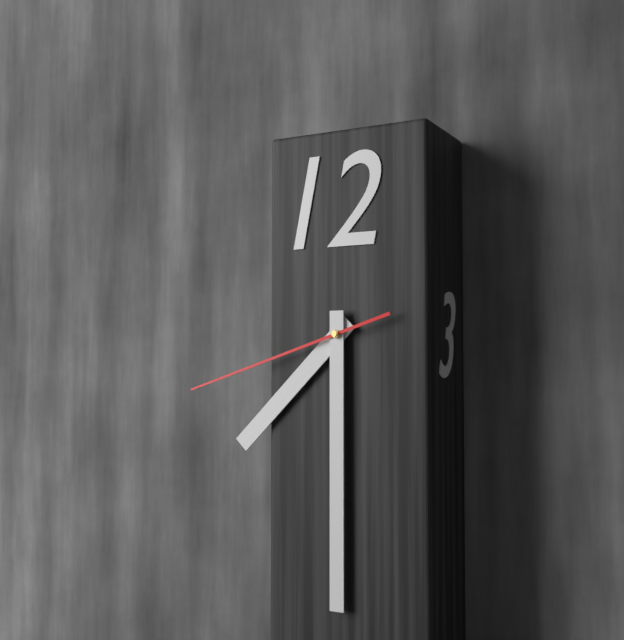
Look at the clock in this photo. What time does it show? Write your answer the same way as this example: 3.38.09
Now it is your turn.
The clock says 7.30.42
